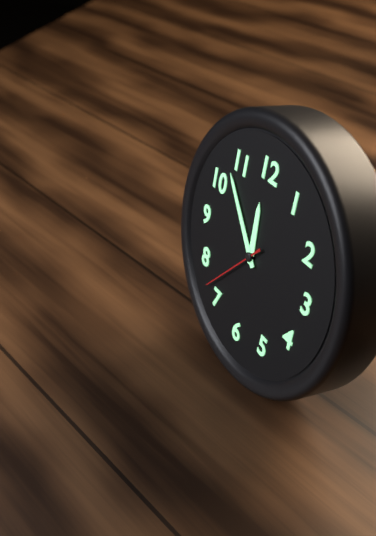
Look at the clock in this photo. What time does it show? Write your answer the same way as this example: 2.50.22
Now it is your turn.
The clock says 11.53.37
